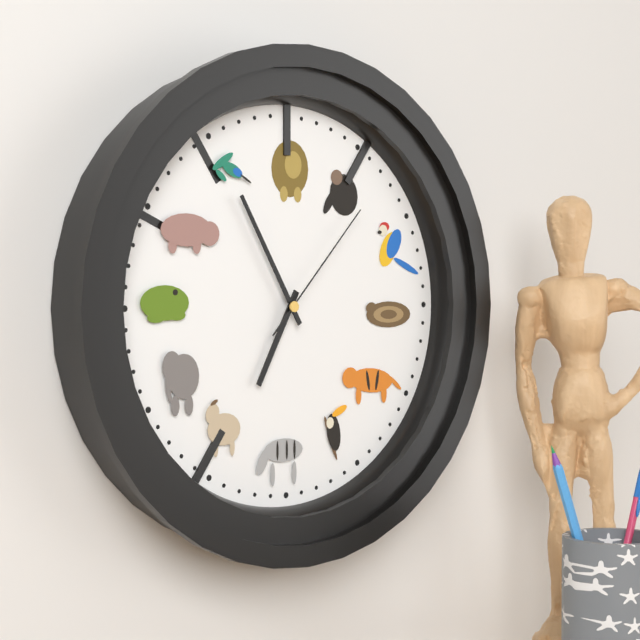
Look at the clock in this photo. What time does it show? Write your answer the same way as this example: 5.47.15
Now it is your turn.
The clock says 6.55.07
